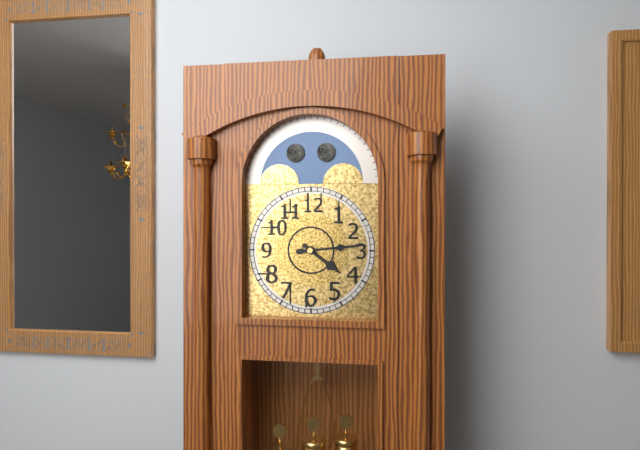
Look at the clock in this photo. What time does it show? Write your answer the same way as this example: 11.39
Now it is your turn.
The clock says 4.14
